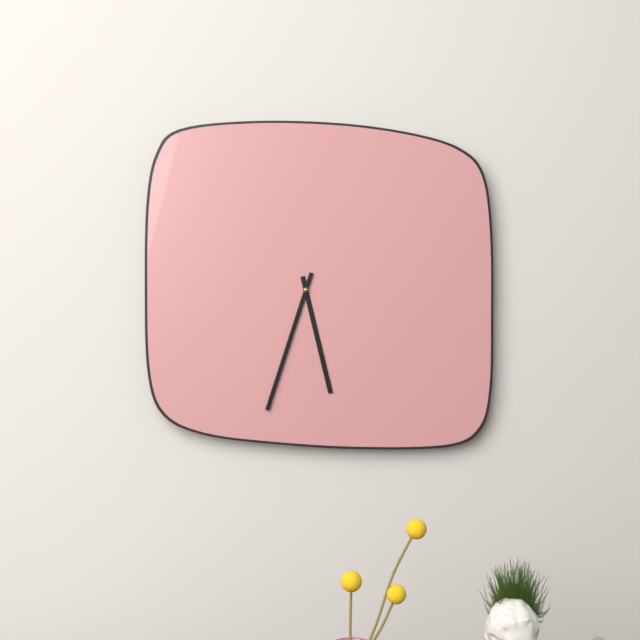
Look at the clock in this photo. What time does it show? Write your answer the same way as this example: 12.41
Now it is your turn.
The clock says 5.33
